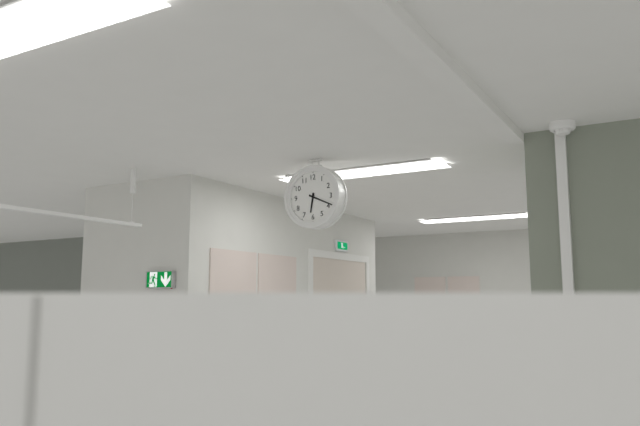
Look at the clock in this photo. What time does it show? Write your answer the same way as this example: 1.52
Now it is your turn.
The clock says 6.19
